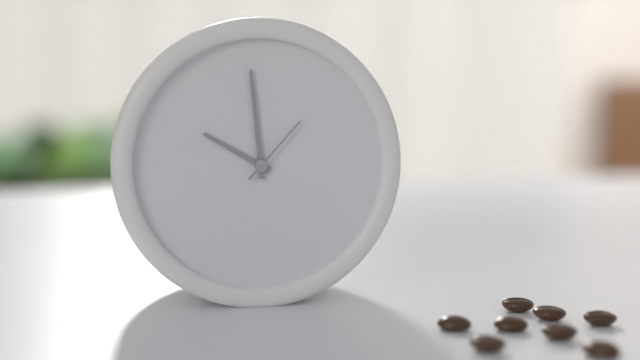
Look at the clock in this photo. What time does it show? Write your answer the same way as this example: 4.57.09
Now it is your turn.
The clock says 9.59.07
